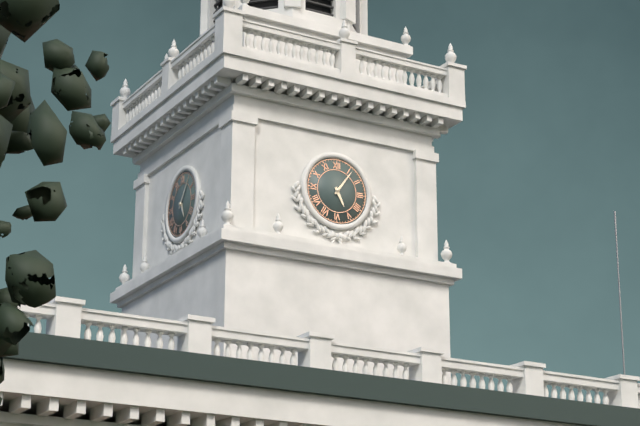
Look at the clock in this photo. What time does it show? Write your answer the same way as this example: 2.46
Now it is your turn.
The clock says 5.06
